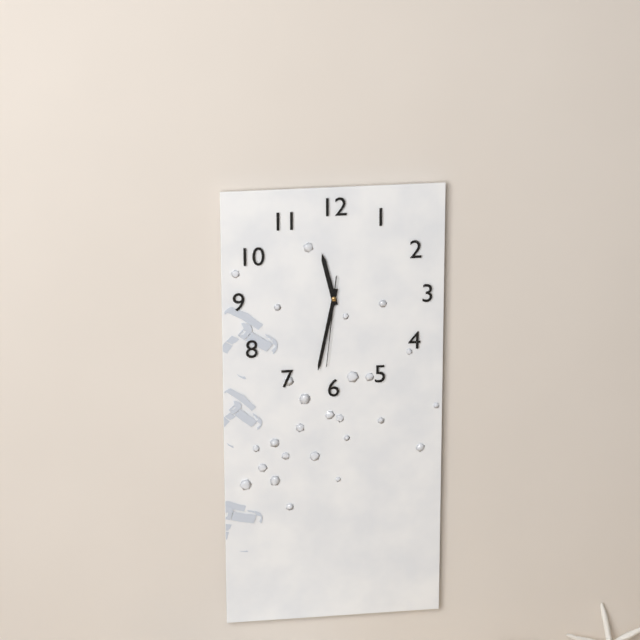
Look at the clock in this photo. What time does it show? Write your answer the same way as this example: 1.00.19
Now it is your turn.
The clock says 11.32.31
